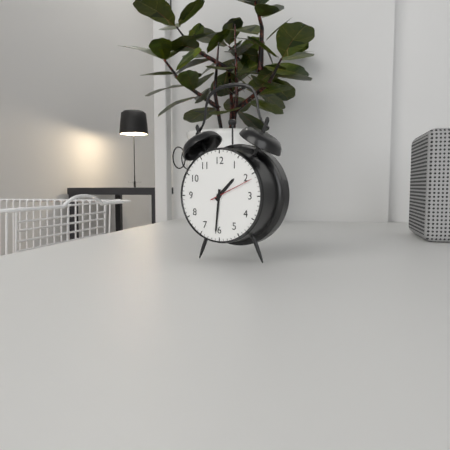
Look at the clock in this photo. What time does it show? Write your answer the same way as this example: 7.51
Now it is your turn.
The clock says 1.31
